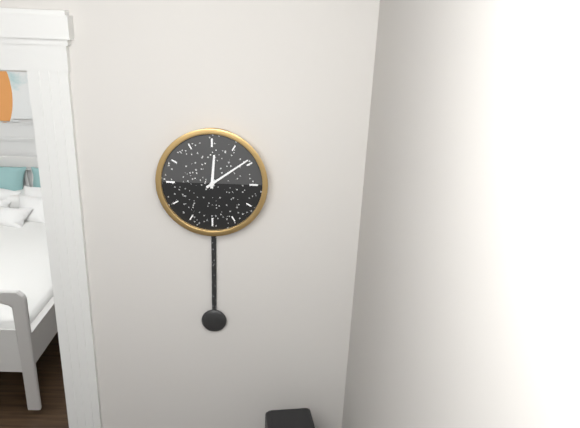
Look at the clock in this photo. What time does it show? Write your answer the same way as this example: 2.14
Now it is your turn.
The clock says 12.09
